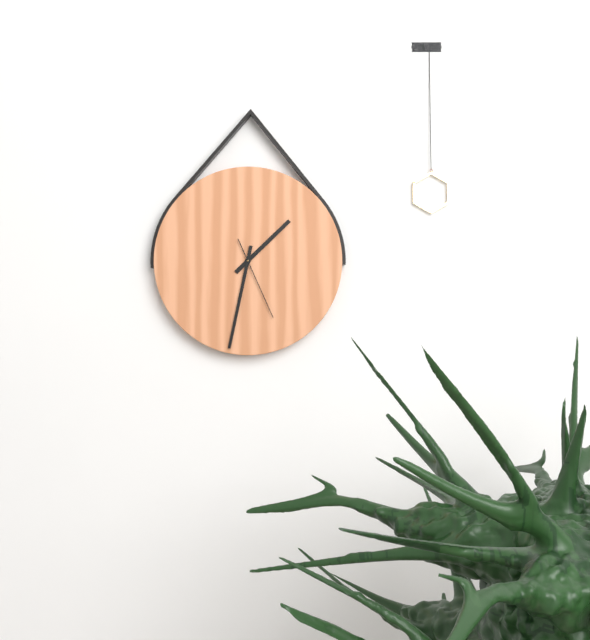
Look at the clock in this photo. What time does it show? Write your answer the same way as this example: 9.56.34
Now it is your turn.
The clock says 1.32.26
